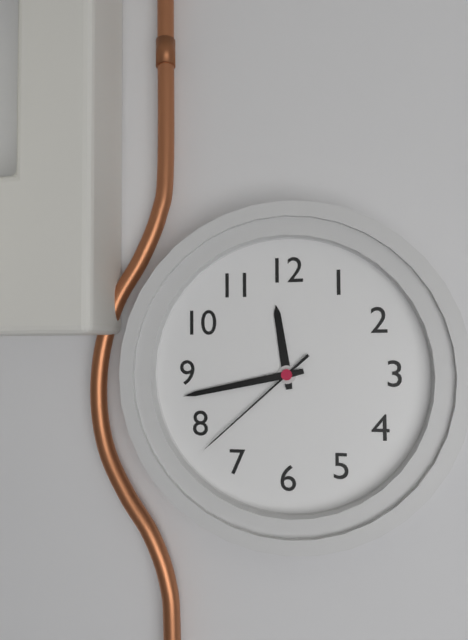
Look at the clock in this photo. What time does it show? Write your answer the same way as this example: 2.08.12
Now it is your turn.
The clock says 11.43.38
